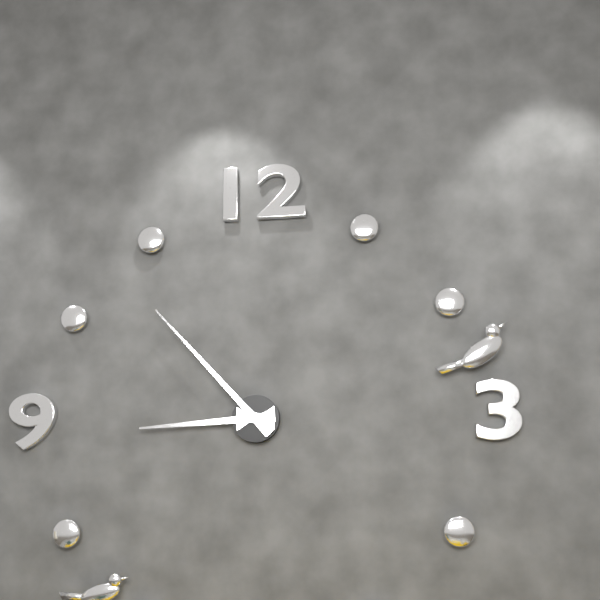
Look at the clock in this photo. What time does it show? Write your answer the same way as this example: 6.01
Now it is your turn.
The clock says 8.53
